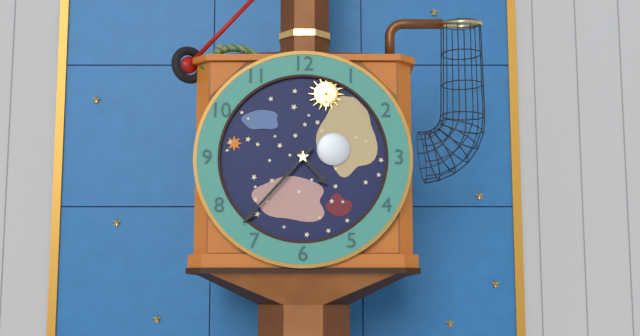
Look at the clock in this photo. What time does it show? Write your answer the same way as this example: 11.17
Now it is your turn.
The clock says 4.37
